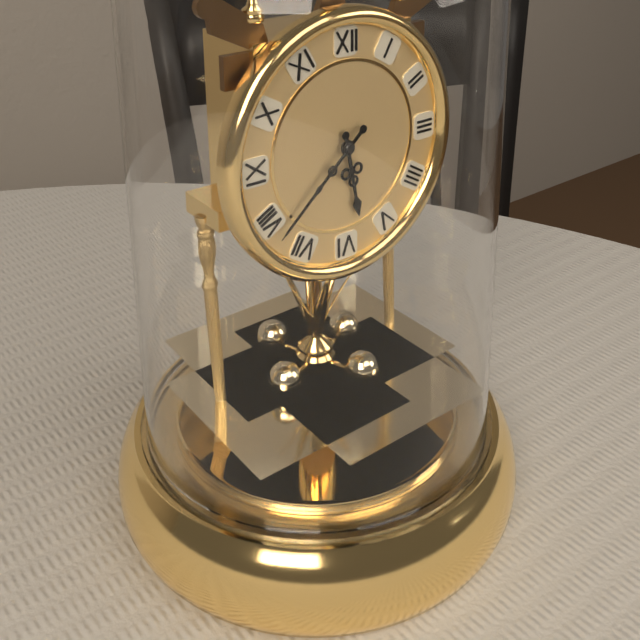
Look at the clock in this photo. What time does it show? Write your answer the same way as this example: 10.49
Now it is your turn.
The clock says 5.38
